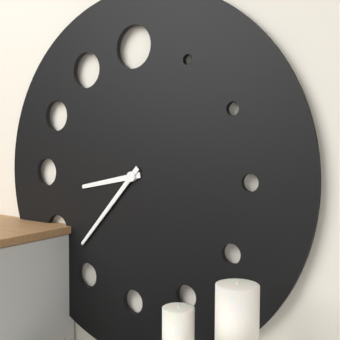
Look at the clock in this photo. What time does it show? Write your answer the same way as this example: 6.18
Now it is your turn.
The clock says 8.37
